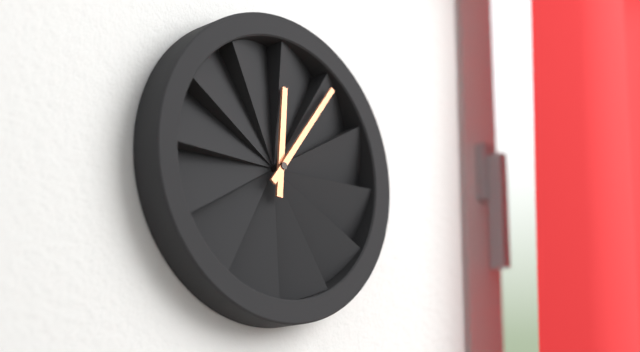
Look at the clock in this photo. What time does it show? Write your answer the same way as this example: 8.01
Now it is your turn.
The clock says 12.06
